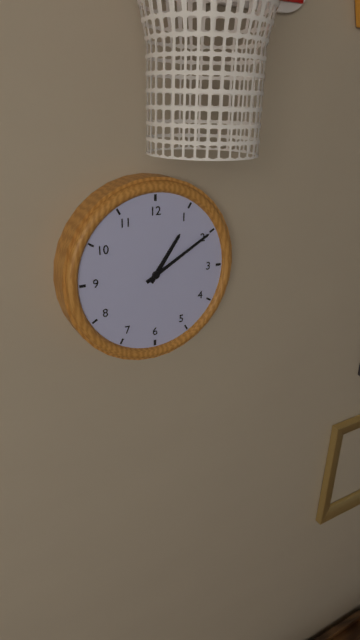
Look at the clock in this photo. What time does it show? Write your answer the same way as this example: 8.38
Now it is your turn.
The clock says 1.10
